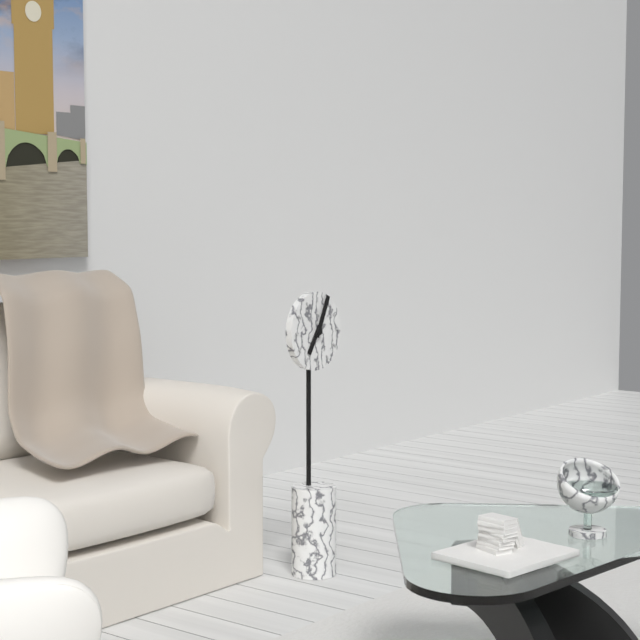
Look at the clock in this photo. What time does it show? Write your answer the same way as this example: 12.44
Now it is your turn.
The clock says 7.04
